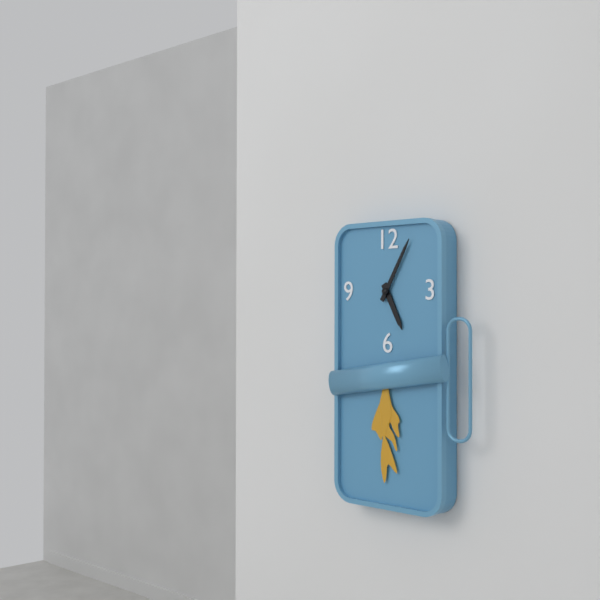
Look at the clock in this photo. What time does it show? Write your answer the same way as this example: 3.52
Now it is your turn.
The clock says 5.05
